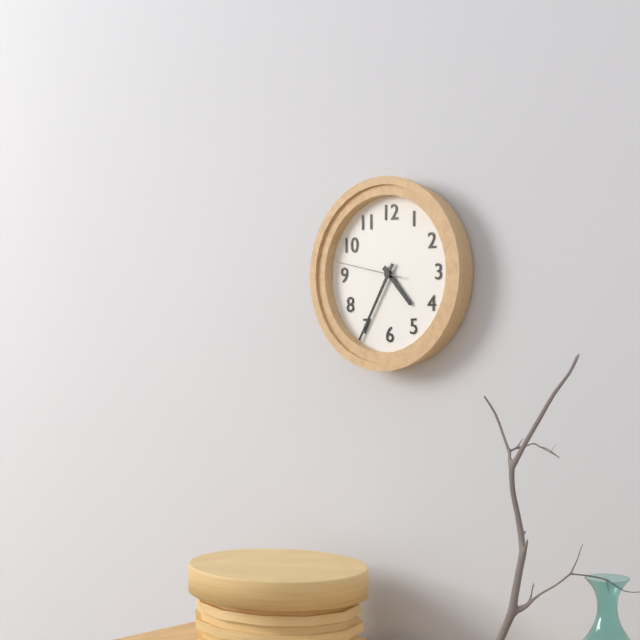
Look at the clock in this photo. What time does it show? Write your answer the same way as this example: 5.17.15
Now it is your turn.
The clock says 4.35.47
